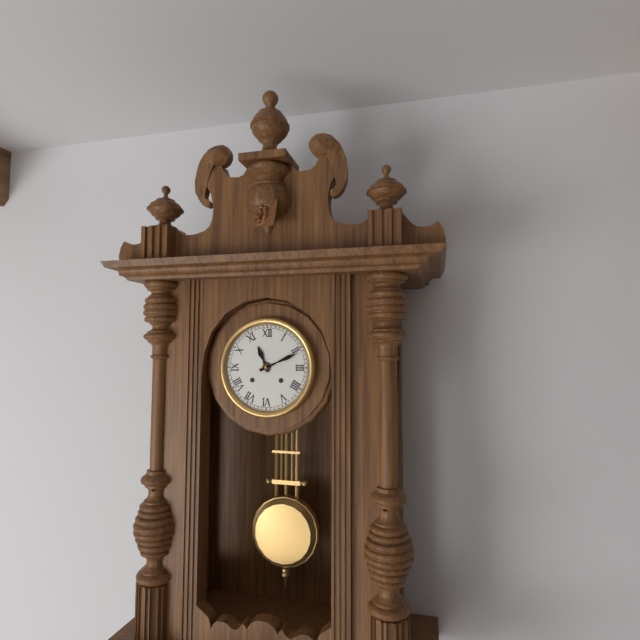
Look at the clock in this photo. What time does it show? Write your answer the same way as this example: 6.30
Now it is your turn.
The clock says 11.11
